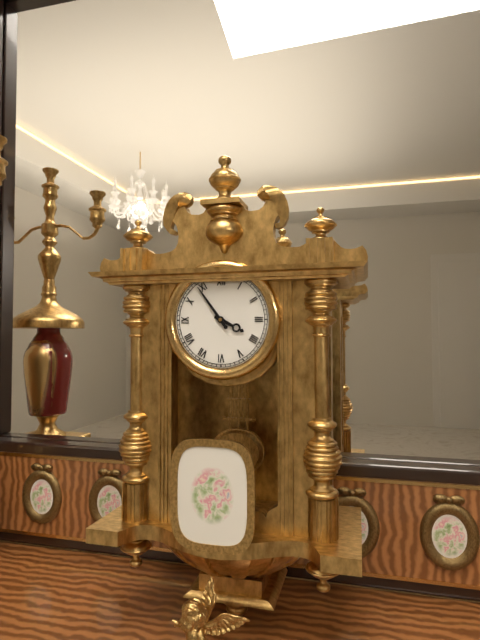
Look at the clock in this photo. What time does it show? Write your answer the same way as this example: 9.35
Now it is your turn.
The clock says 3.54
